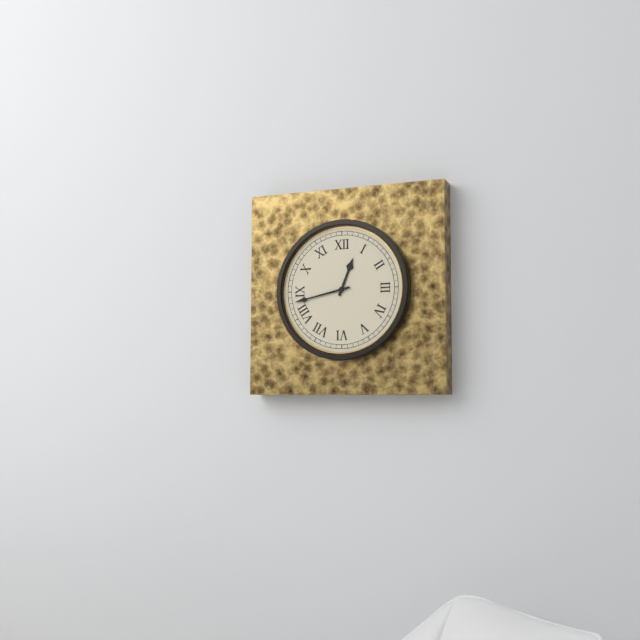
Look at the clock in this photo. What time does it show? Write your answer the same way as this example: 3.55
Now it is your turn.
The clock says 12.43
